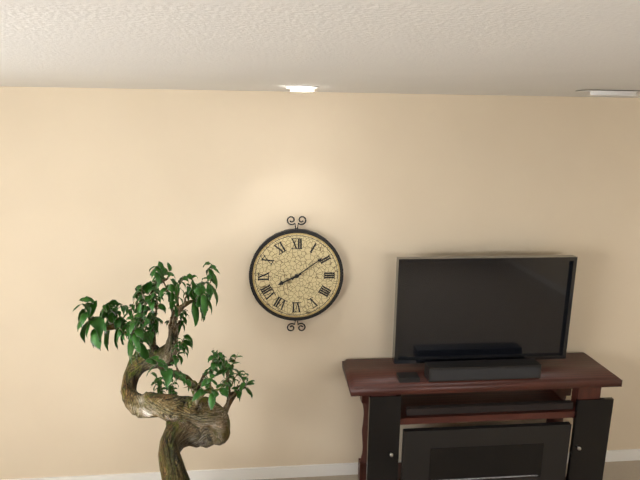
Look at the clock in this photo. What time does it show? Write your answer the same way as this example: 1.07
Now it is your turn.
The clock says 8.09
